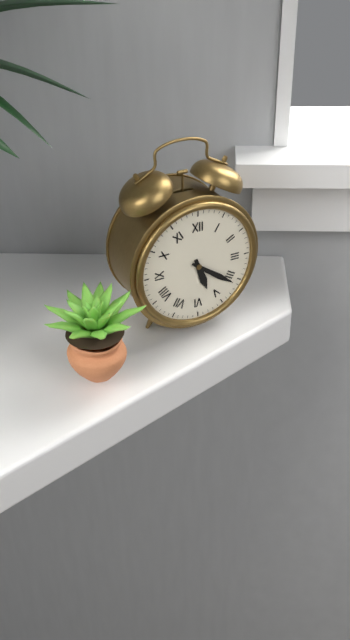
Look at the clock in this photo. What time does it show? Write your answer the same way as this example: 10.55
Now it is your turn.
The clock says 5.21
